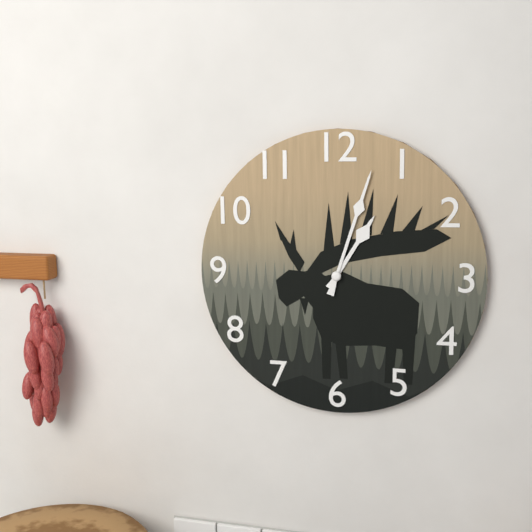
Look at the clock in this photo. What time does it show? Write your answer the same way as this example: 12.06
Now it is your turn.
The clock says 1.03
